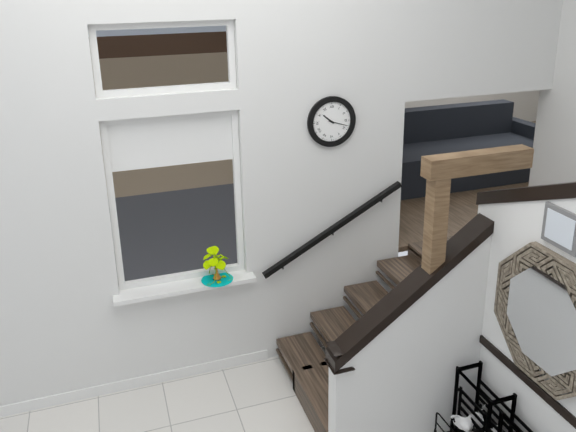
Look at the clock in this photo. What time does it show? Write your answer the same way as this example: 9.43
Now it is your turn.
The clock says 10.18
